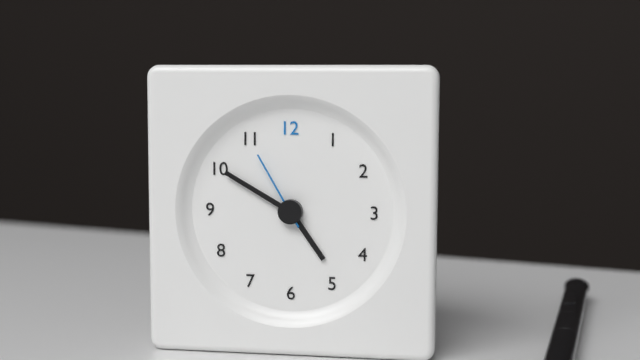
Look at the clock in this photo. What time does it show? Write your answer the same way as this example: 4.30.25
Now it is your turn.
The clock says 4.50.55
